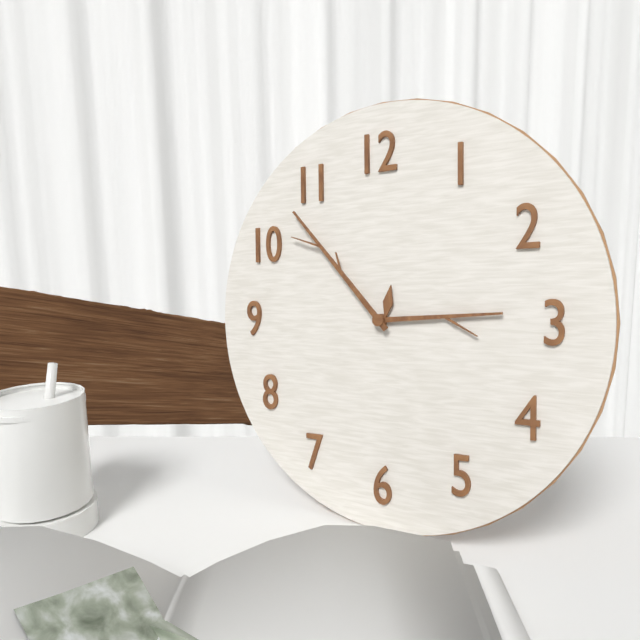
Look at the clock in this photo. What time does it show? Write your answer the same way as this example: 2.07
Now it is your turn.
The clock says 2.53
